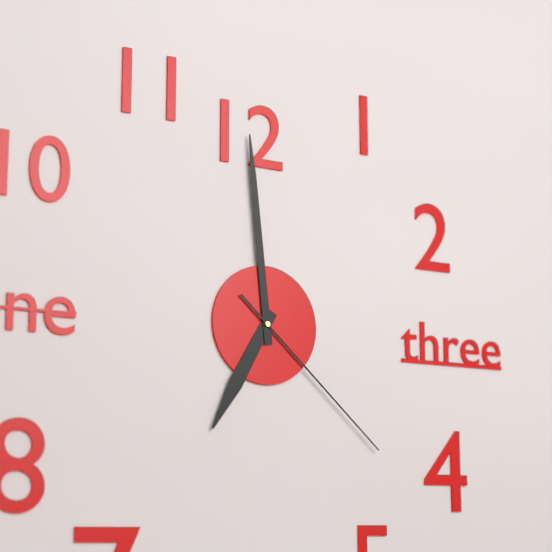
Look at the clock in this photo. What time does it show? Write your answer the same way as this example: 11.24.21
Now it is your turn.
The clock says 6.59.22
